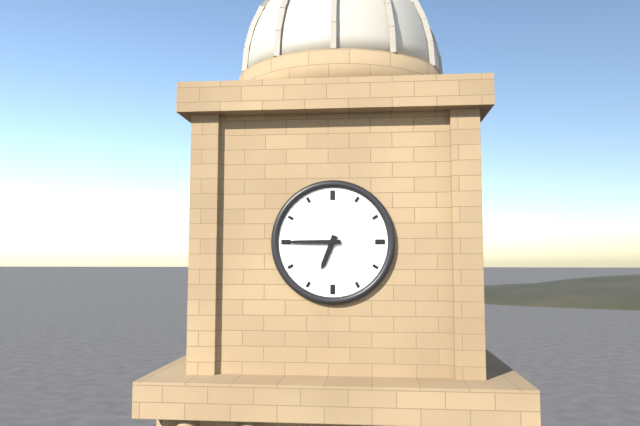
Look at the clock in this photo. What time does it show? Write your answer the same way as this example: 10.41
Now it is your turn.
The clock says 6.45
